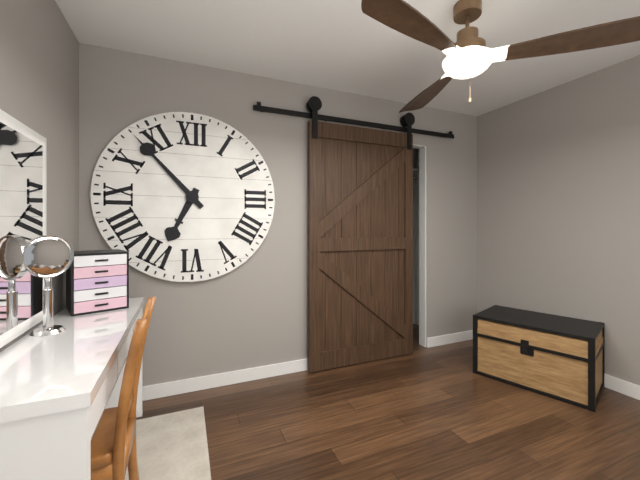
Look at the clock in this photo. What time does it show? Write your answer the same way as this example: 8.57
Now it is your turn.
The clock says 6.53
